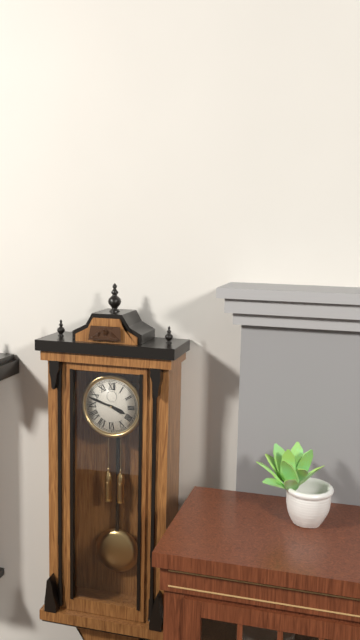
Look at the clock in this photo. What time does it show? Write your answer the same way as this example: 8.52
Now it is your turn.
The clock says 3.48
